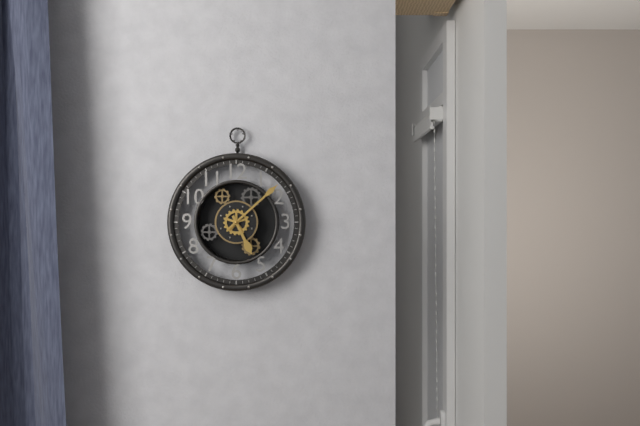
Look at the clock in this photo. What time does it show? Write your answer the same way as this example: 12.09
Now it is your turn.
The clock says 5.08
